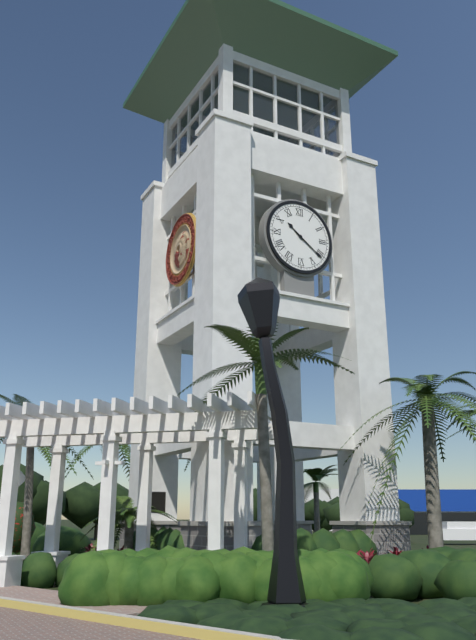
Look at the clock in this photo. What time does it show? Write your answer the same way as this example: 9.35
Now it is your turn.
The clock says 10.21
